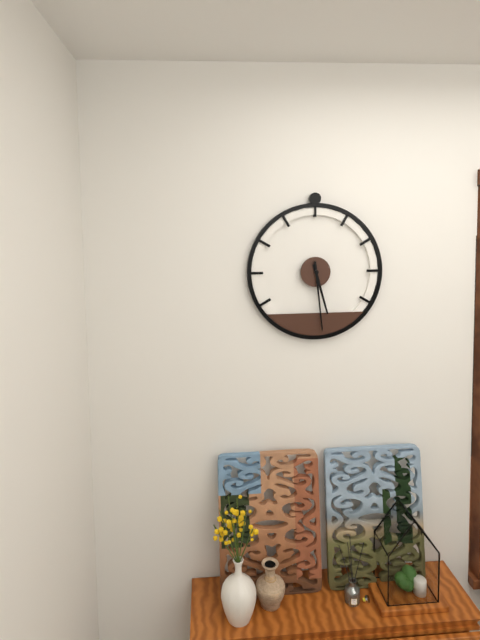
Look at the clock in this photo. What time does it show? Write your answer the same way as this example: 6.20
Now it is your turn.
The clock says 5.29
